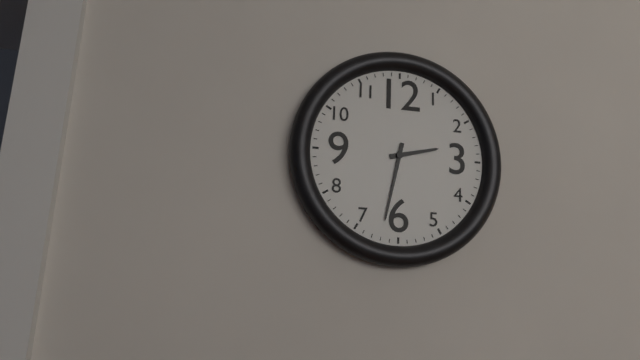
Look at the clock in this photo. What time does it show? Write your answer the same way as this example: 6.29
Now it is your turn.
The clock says 2.32
